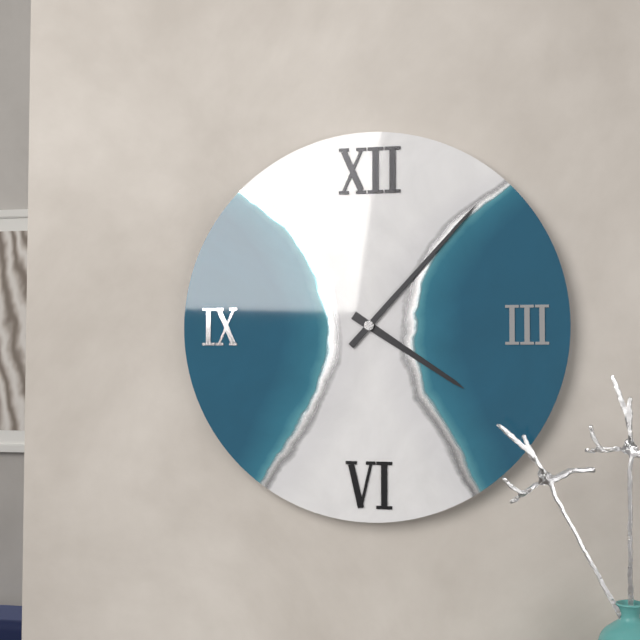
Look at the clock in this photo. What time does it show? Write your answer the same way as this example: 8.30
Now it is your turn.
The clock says 4.07
